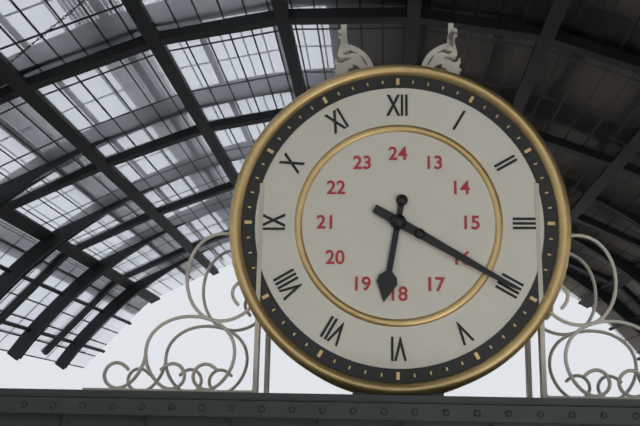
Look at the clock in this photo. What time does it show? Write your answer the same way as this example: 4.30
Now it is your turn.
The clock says 6.20
